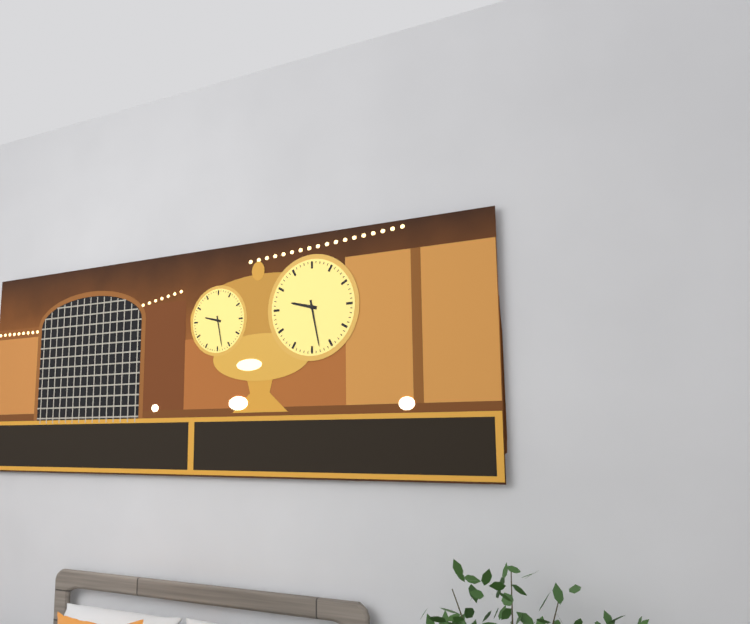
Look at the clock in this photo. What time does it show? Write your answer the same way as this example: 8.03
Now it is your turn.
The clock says 9.28
